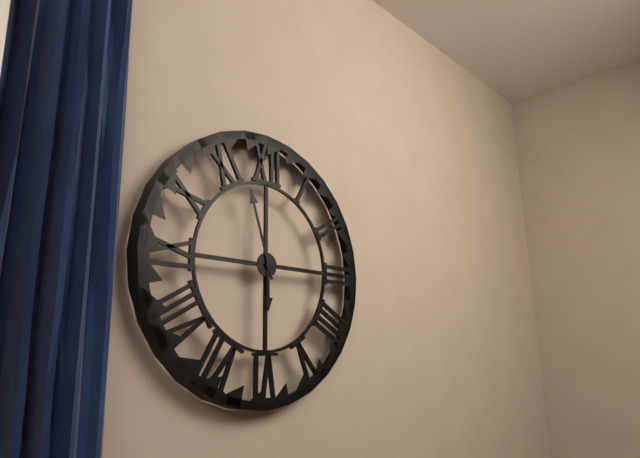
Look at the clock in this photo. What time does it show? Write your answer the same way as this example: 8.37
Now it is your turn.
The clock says 5.57
